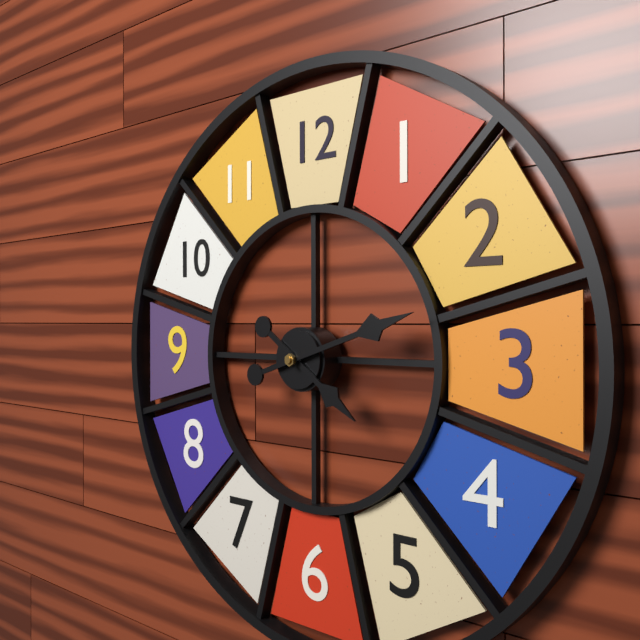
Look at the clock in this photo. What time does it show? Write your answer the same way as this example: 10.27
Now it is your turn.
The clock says 4.12
